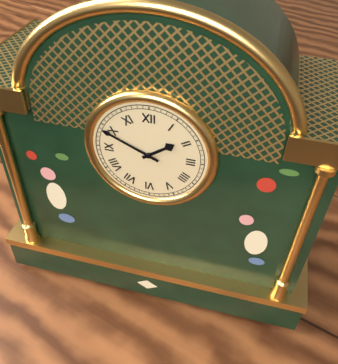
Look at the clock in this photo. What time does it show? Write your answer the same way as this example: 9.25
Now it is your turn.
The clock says 1.49
